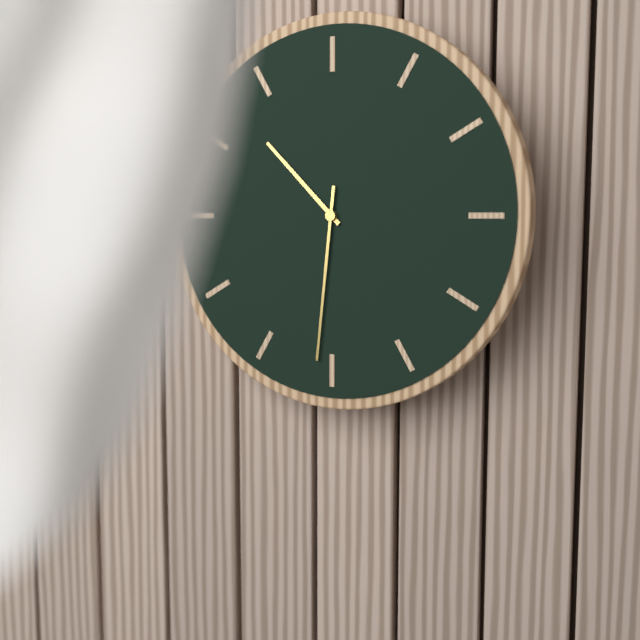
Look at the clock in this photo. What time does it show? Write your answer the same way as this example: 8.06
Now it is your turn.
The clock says 10.31
